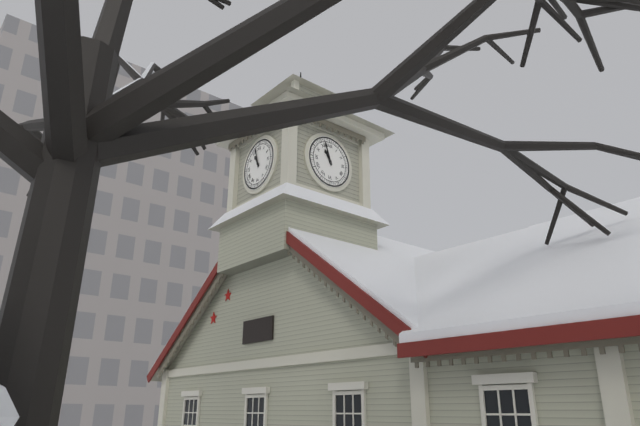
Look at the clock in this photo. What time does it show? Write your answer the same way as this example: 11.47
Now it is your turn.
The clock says 10.57
